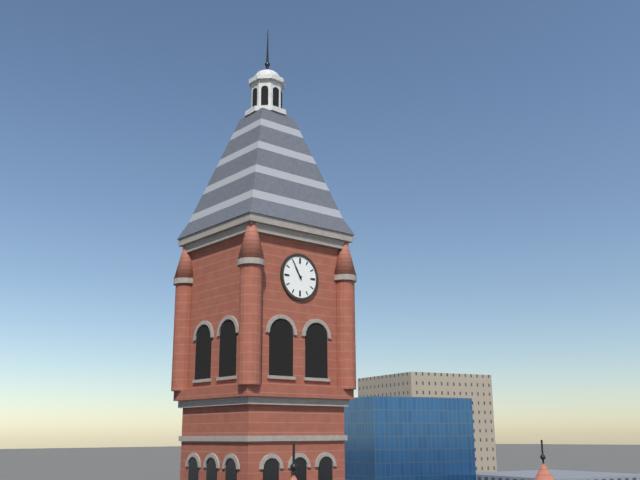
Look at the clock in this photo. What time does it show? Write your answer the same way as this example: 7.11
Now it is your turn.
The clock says 10.55
